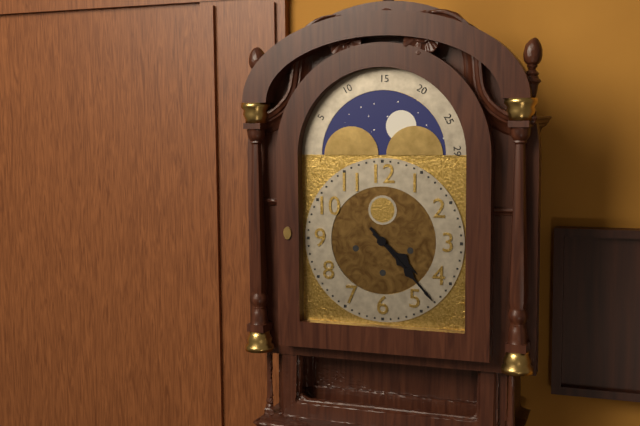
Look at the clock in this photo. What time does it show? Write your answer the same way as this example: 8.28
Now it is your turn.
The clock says 4.23
